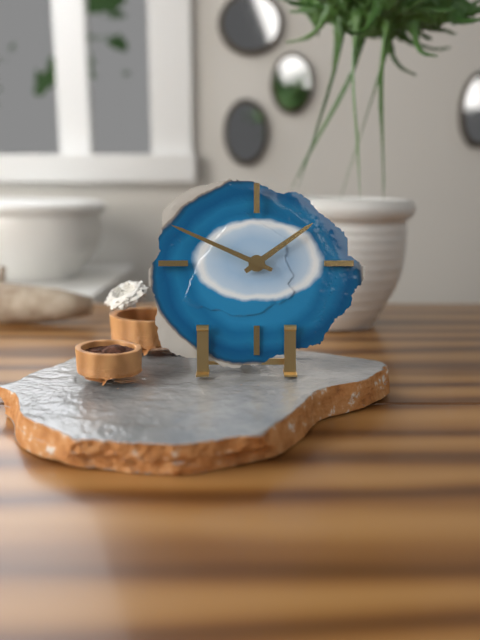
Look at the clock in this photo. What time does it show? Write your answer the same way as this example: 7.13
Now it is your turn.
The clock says 1.49
